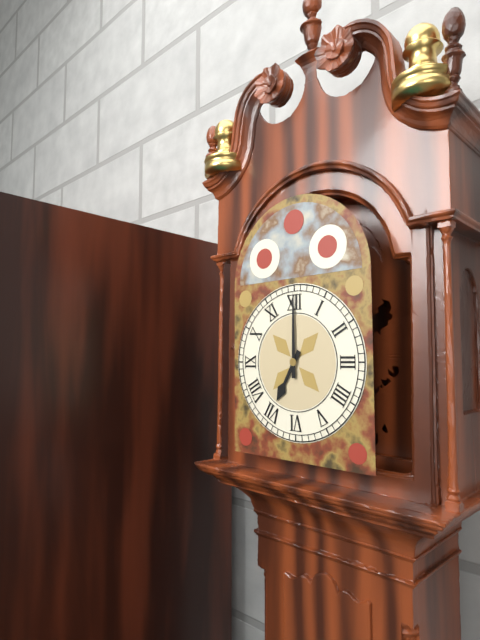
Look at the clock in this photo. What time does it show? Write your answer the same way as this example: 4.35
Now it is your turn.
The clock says 7.00
